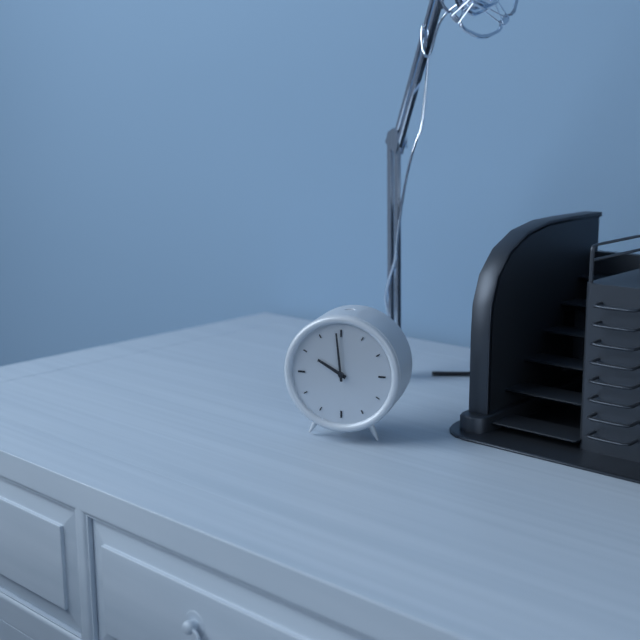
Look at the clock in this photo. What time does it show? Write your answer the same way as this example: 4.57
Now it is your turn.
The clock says 9.59
